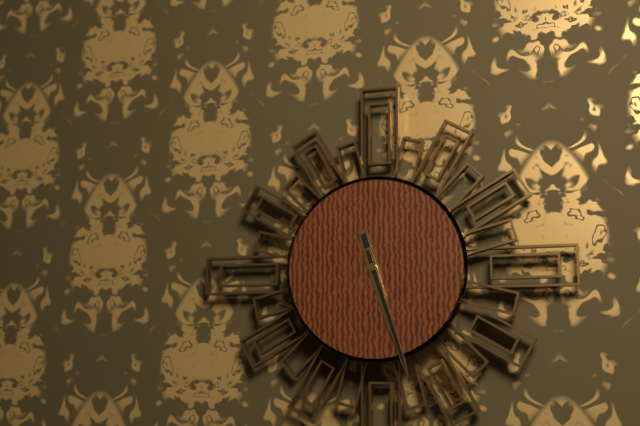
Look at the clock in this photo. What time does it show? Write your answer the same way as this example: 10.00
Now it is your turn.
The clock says 5.27
